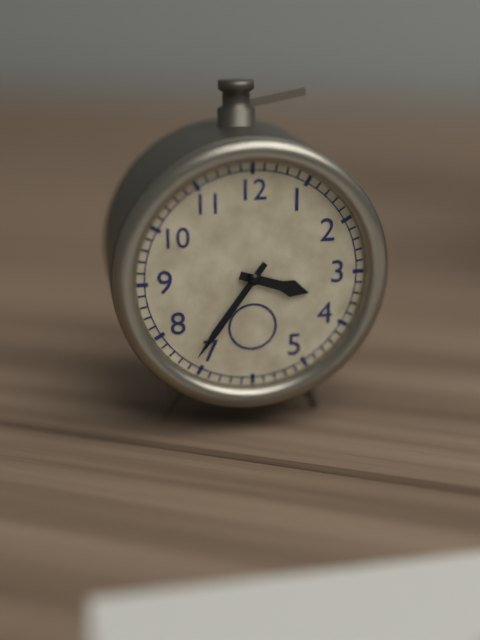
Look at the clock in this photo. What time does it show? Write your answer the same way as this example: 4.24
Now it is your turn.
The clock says 3.36
